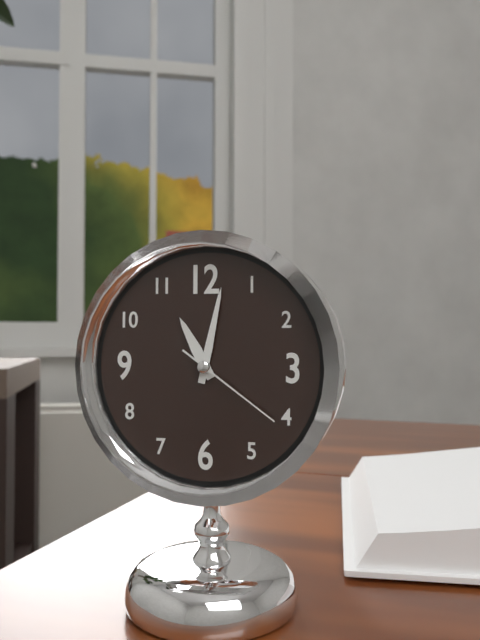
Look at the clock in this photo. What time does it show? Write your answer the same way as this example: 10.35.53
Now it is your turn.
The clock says 11.02.21
